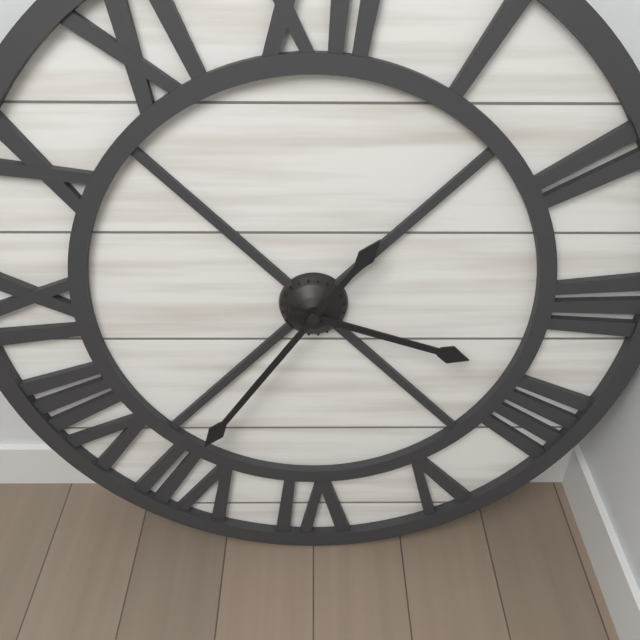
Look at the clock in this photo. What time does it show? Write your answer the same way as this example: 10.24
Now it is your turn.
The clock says 3.36
